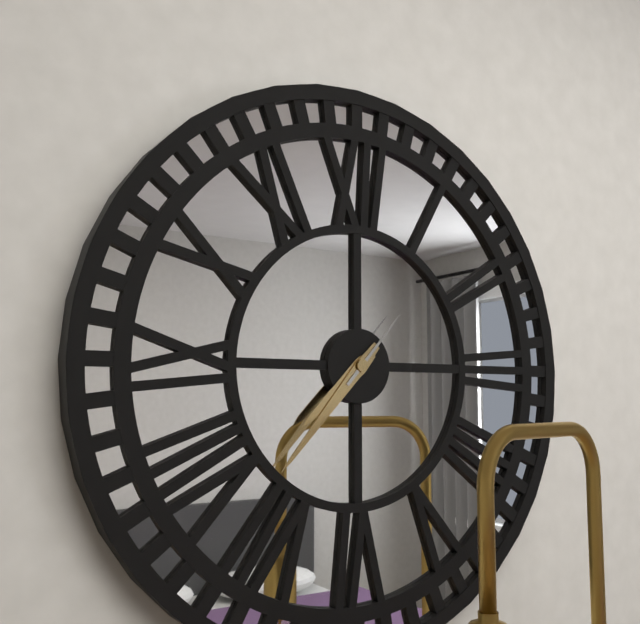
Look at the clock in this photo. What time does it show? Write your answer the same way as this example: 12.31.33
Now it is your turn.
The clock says 7.37.07
